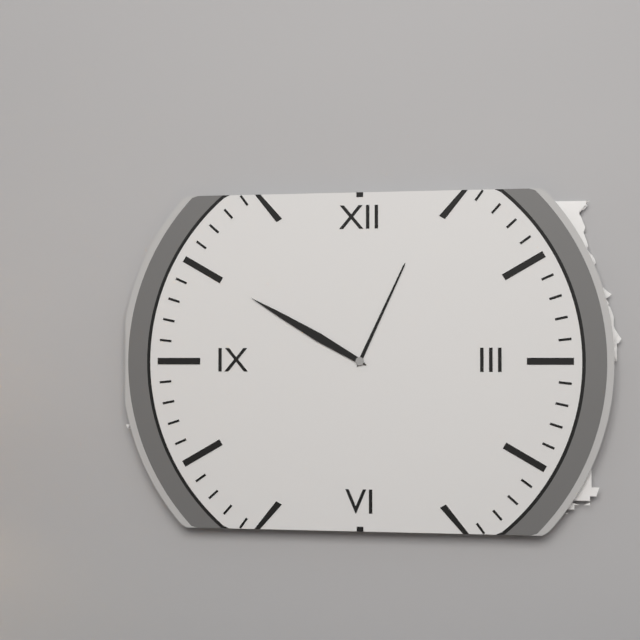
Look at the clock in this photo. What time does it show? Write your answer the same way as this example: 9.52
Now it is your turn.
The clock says 12.50
